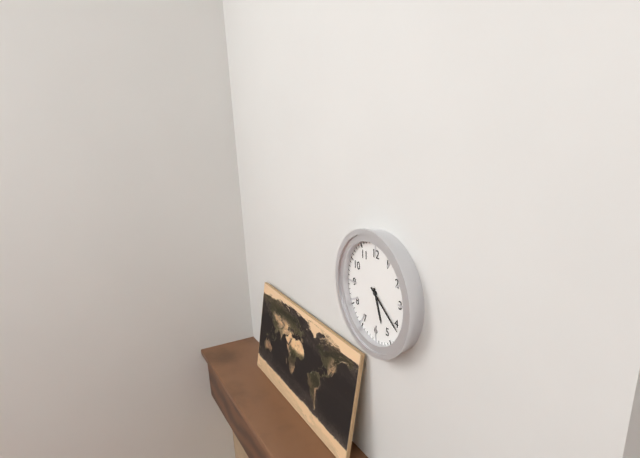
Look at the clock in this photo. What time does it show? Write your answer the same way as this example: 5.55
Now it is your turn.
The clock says 5.21
